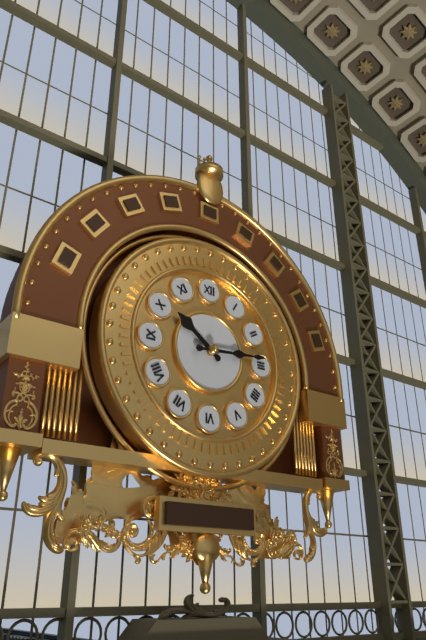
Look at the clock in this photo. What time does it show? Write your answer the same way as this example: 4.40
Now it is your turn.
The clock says 10.14
